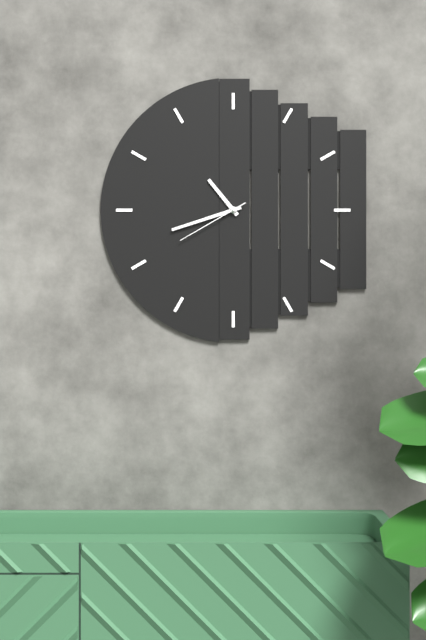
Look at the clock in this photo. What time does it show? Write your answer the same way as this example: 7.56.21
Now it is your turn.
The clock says 10.42.40
